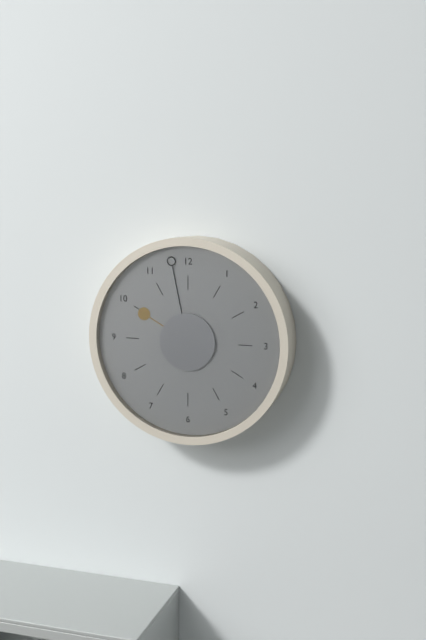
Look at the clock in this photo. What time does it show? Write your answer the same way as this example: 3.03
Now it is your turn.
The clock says 9.58
